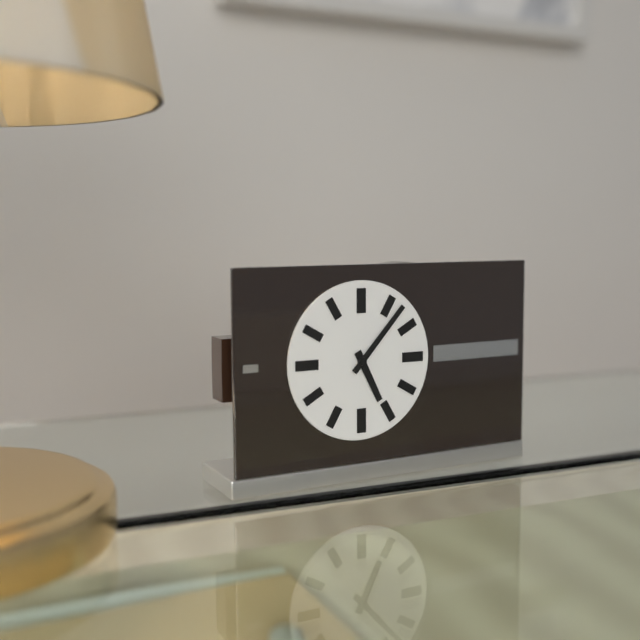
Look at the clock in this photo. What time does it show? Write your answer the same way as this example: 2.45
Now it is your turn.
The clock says 5.07
